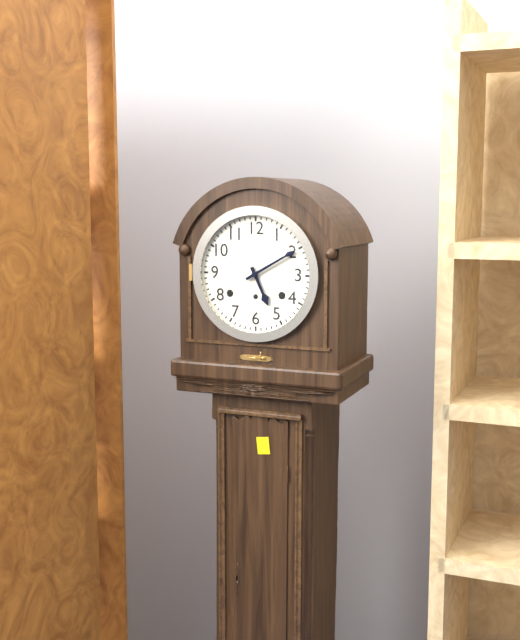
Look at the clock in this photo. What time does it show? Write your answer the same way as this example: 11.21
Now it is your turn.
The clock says 5.10
